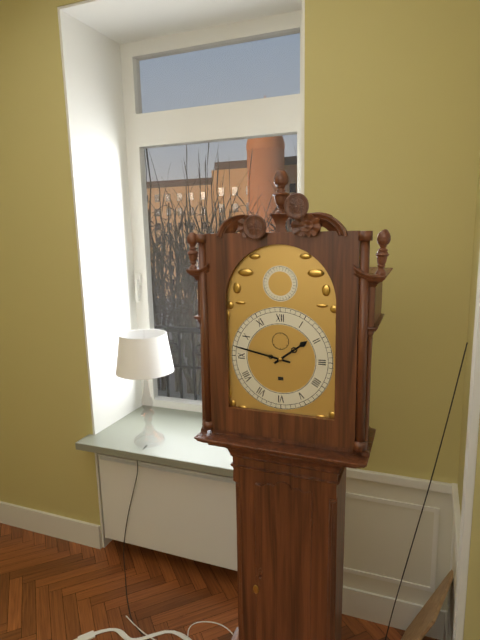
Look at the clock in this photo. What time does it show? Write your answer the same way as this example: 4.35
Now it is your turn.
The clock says 1.47
